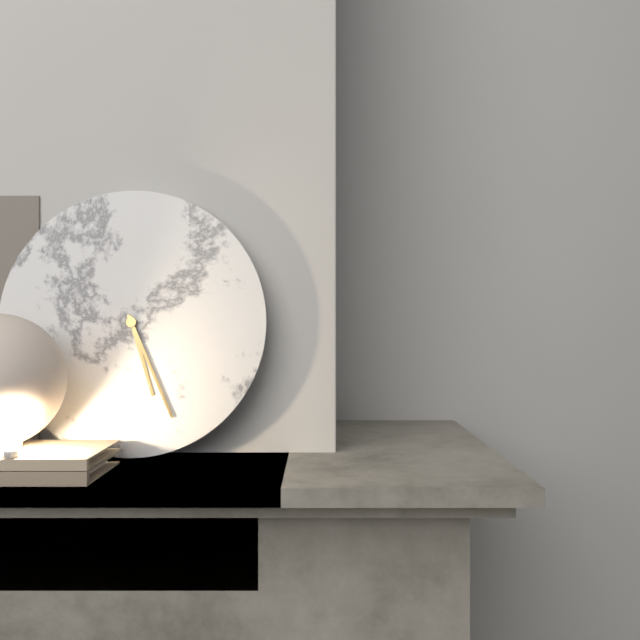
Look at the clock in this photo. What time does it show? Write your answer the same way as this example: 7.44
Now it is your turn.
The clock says 5.26
